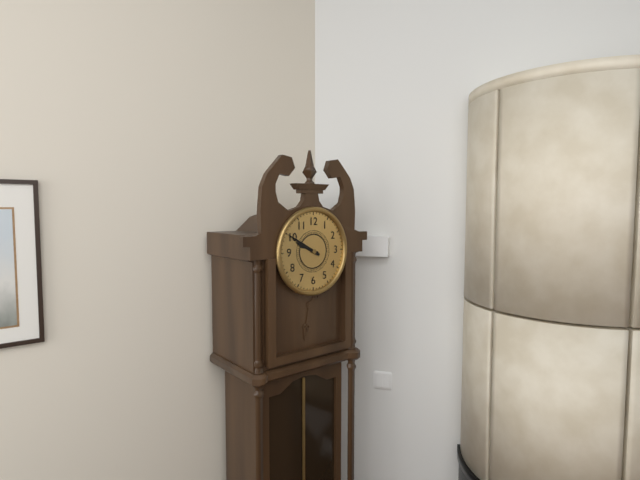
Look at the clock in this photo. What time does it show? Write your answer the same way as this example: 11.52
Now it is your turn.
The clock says 9.50
